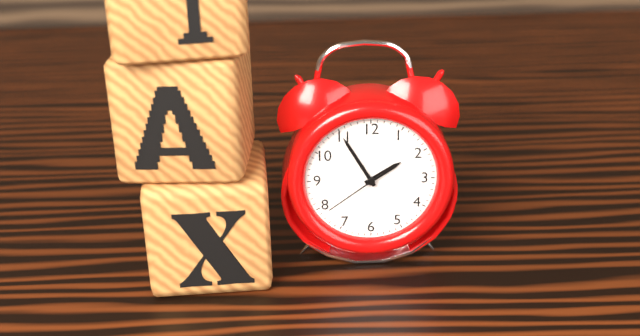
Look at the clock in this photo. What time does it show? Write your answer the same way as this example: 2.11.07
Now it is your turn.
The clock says 1.55.39
